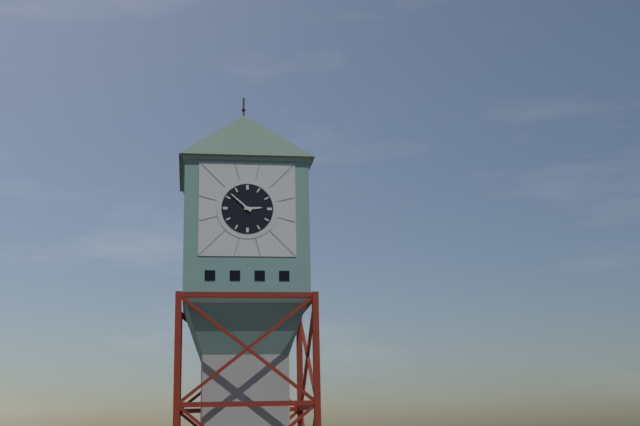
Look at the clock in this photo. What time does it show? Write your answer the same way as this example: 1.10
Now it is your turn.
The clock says 2.52
